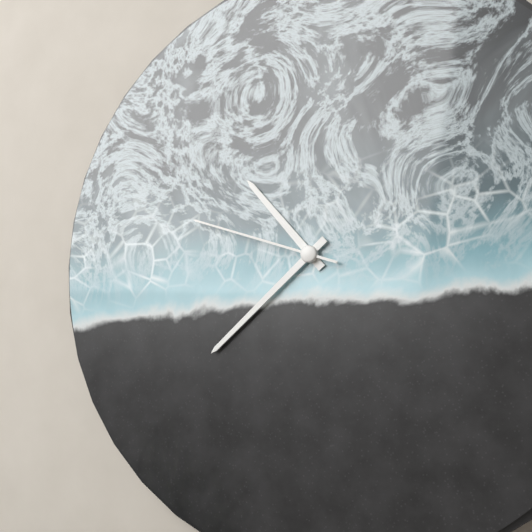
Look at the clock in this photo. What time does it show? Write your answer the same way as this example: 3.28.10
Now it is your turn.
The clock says 10.38.48
